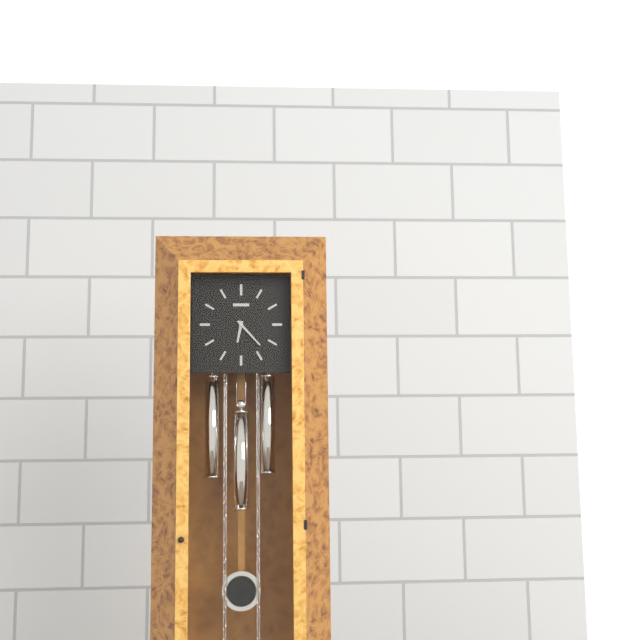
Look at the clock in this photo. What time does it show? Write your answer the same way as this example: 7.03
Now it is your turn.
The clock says 6.23
